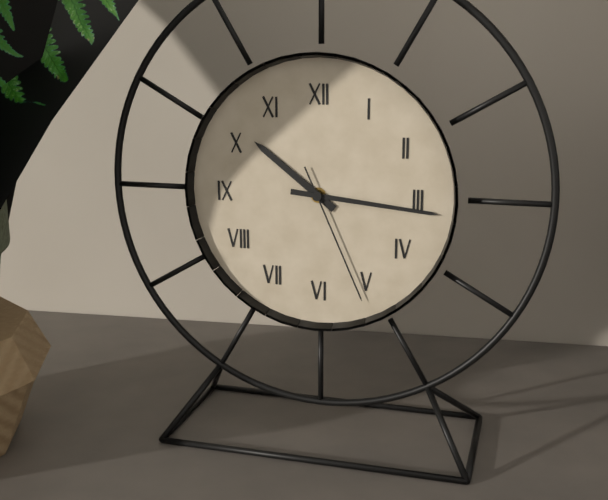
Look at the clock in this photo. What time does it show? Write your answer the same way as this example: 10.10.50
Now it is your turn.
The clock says 10.16.26
